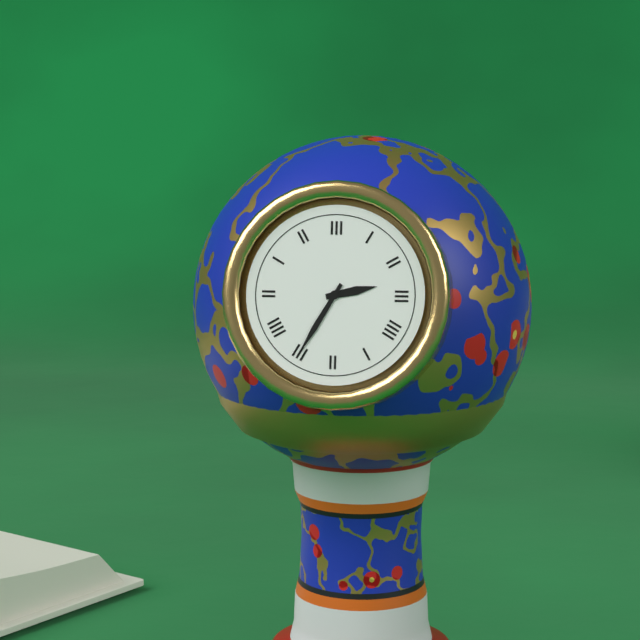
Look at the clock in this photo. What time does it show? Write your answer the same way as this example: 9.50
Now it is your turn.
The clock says 2.35
